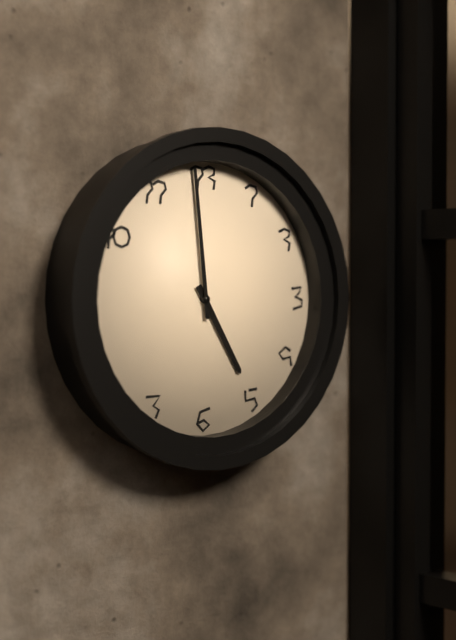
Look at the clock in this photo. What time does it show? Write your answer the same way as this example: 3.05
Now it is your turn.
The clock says 4.59
